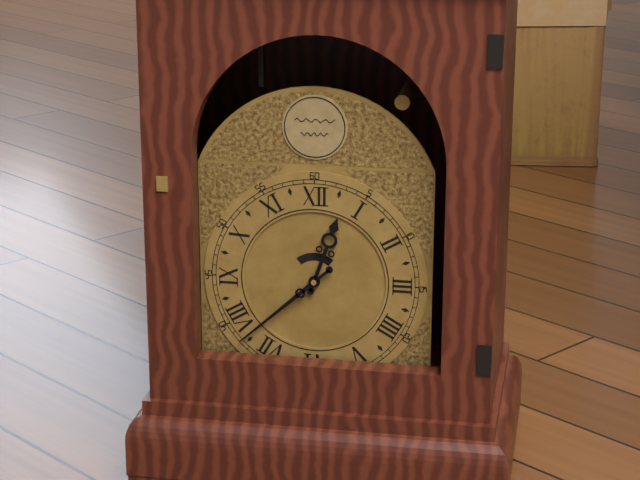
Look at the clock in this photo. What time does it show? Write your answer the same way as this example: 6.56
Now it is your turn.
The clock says 12.38
